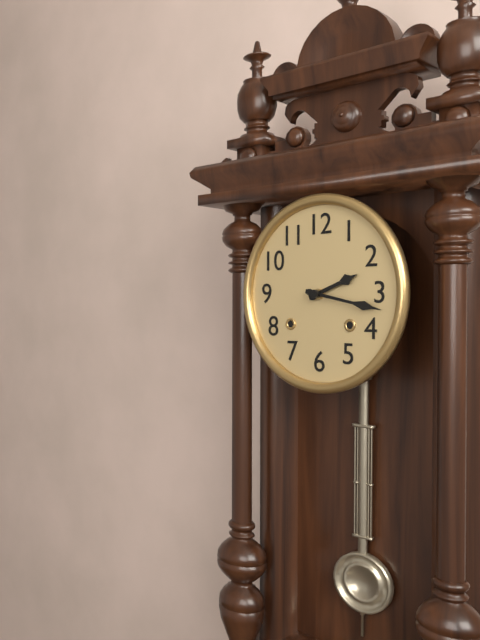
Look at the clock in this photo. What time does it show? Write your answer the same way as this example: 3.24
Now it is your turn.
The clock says 2.17
